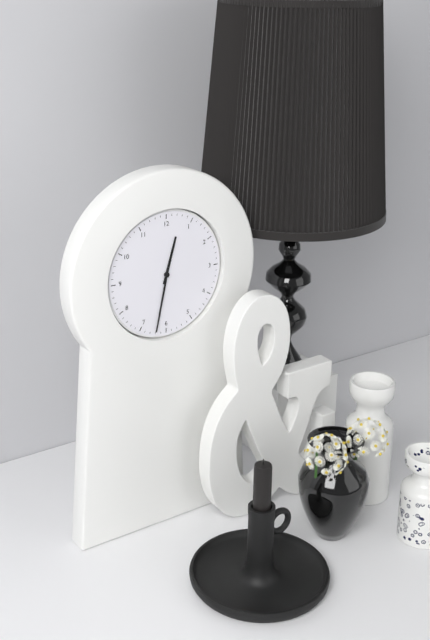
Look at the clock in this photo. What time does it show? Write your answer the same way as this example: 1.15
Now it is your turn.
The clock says 12.32
